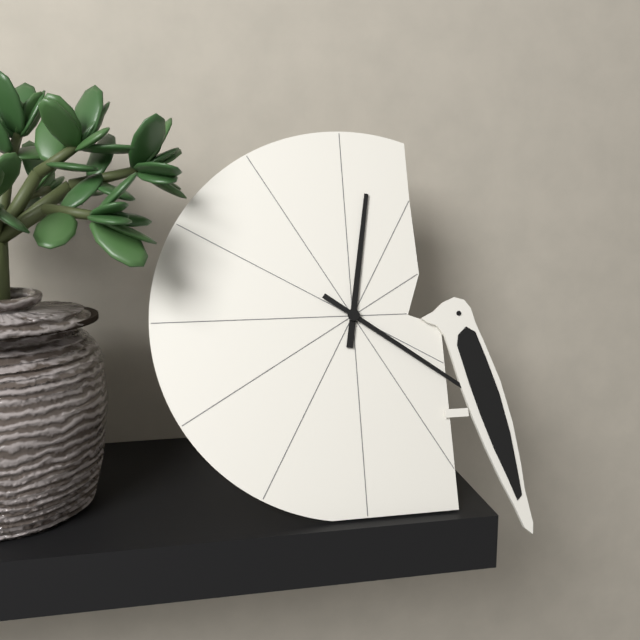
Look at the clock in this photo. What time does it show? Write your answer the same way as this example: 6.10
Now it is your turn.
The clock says 12.21
